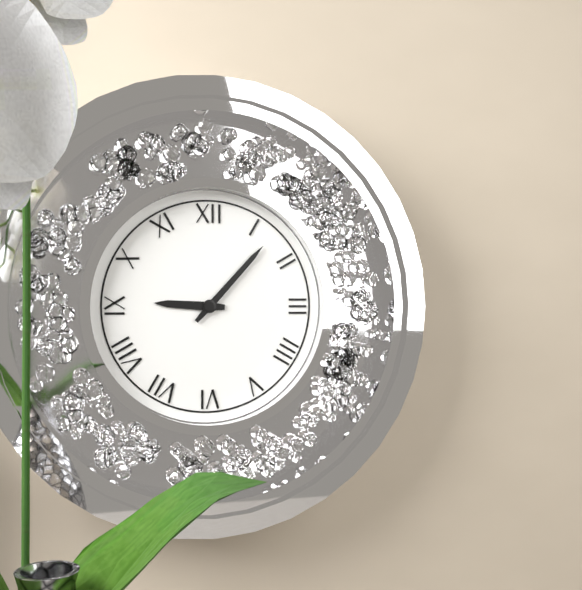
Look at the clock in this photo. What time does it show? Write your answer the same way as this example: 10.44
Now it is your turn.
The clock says 9.07
